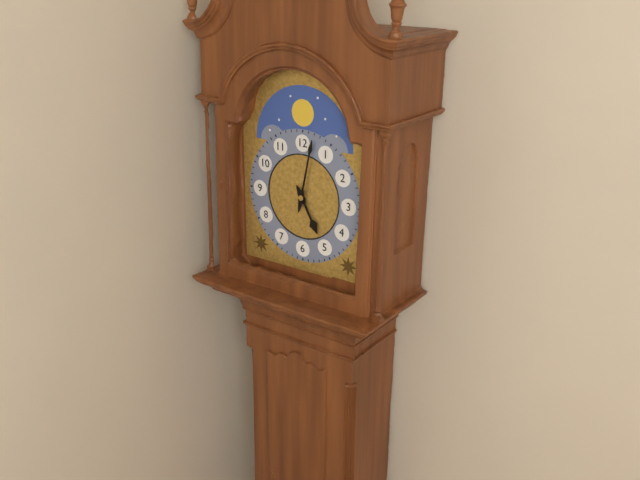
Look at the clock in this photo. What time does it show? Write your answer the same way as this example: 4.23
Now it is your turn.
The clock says 5.02
